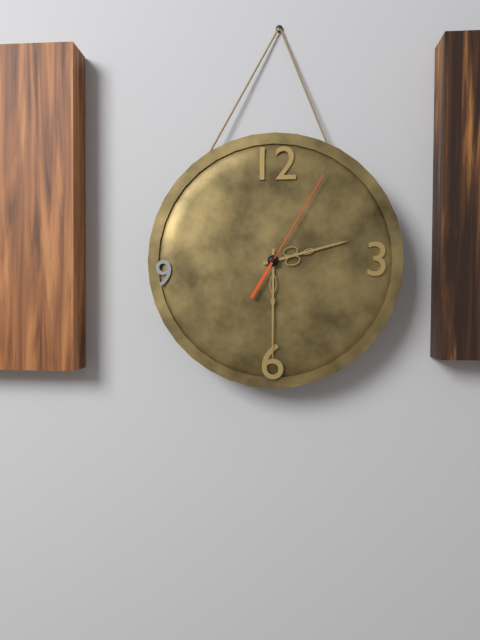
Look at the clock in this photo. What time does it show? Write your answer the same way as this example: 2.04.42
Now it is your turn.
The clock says 2.30.05
